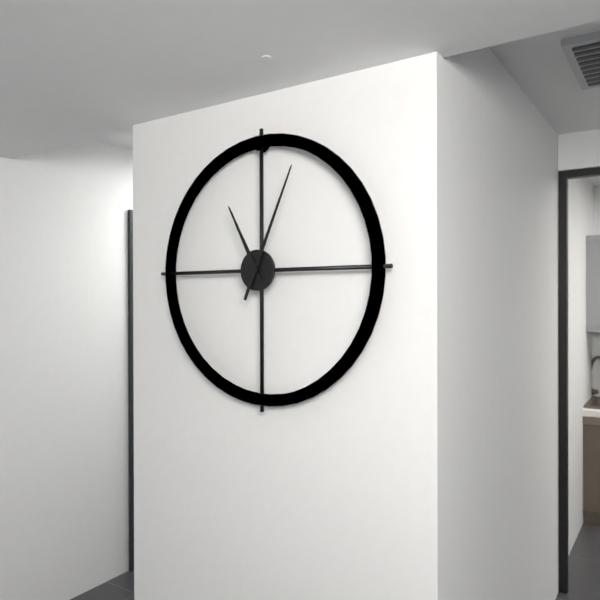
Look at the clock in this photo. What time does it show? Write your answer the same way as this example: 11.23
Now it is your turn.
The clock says 11.04
